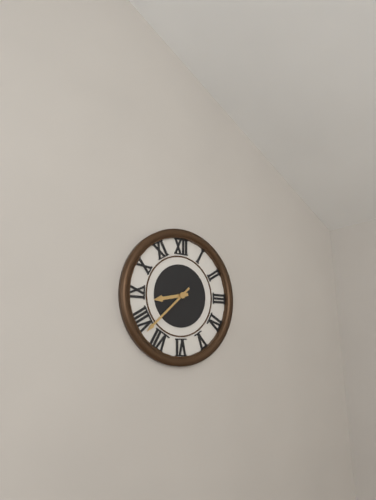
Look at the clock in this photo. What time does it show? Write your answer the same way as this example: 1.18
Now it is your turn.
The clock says 8.38
